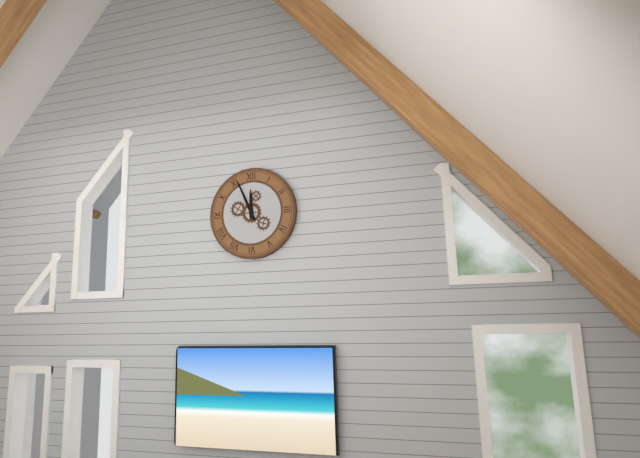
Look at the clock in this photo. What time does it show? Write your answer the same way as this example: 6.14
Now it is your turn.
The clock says 11.56
